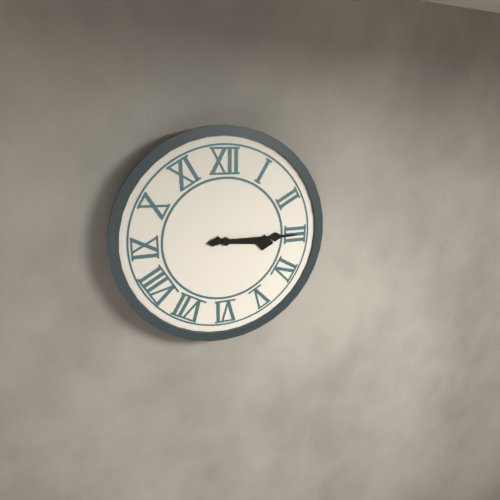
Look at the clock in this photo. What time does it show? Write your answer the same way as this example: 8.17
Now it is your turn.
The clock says 3.15
